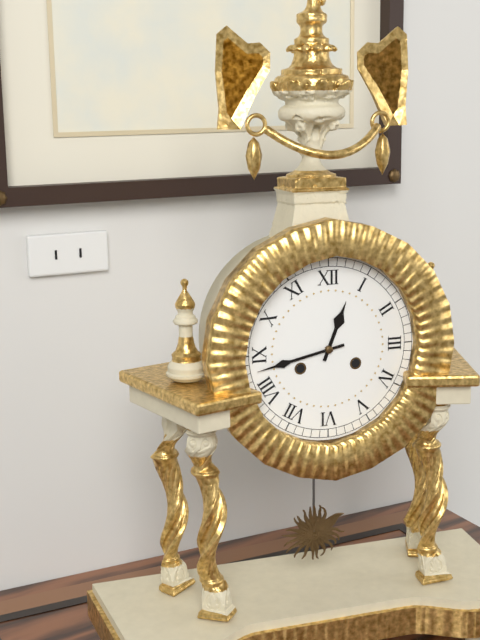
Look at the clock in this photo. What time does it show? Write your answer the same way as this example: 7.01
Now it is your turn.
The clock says 12.43
